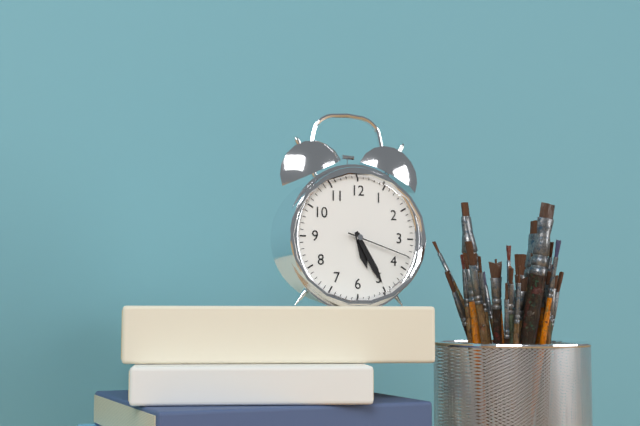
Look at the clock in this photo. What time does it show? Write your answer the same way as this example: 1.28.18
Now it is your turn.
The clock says 5.25.18
